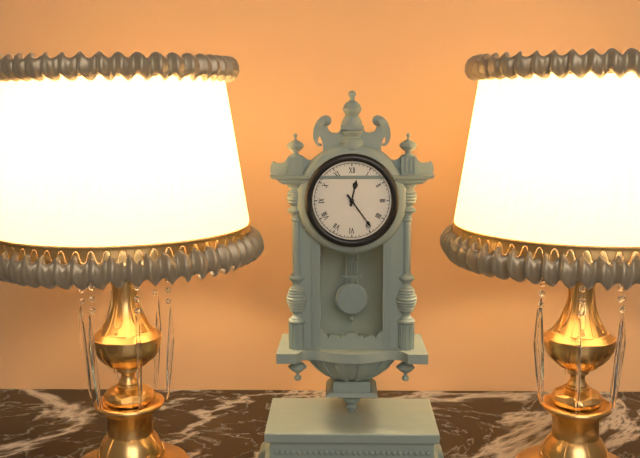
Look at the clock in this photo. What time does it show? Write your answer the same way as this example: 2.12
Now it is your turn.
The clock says 12.24
